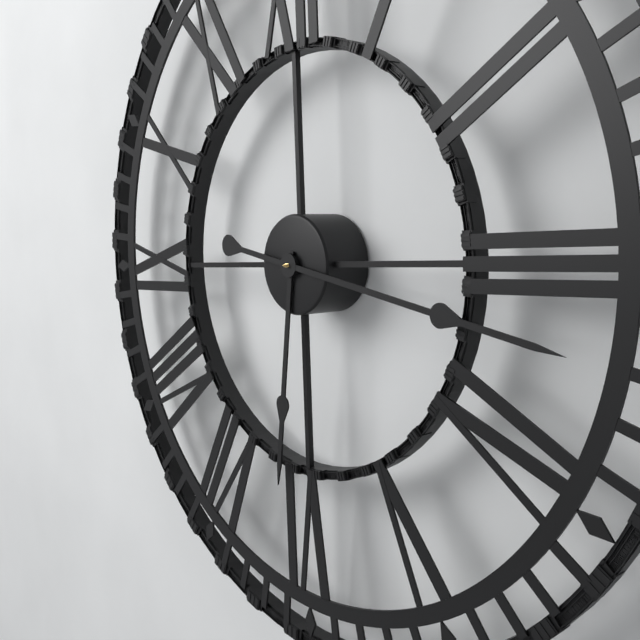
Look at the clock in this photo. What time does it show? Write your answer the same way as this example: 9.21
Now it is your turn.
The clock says 6.17
